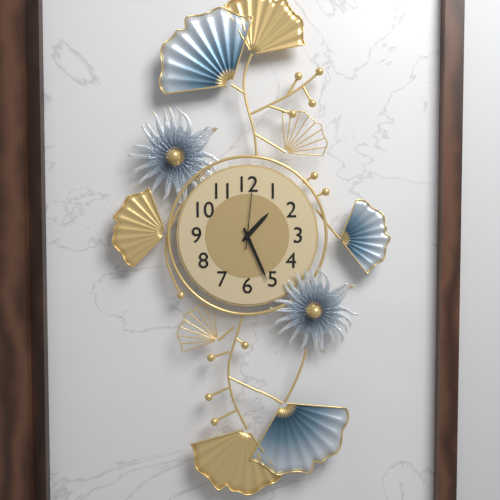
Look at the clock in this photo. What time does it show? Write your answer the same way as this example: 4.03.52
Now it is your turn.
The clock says 1.26.01
